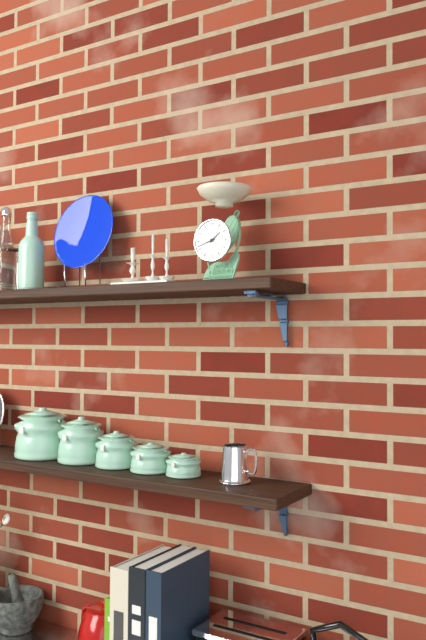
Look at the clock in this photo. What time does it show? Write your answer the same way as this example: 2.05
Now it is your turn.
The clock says 1.42
